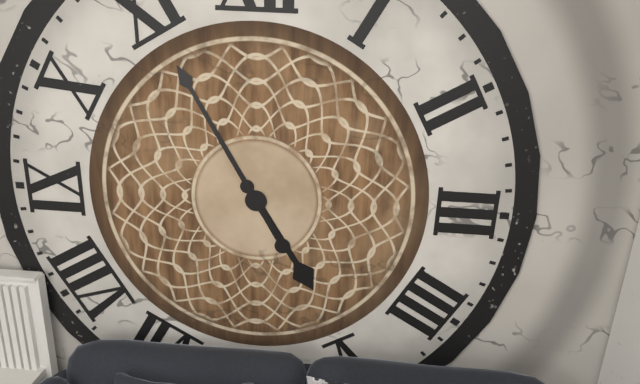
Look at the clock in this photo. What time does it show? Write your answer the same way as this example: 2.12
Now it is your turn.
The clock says 4.55
